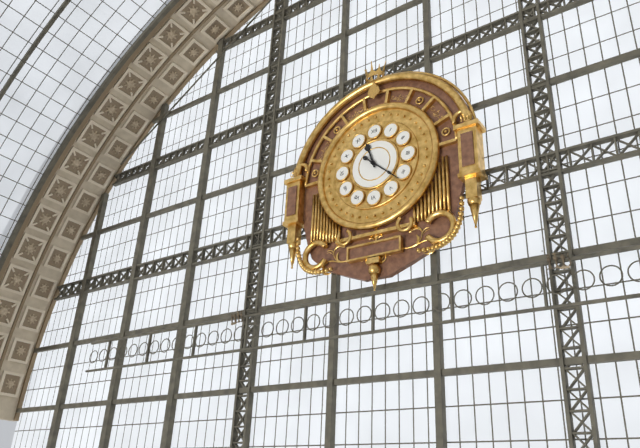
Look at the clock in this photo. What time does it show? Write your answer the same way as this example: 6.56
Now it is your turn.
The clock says 11.22
